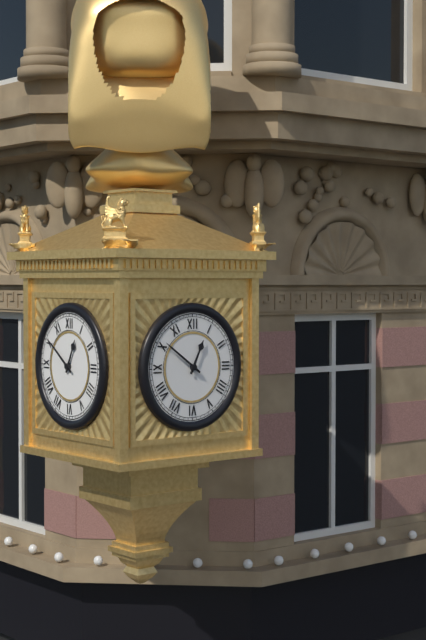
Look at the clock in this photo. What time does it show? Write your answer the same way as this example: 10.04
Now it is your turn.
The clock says 12.51
